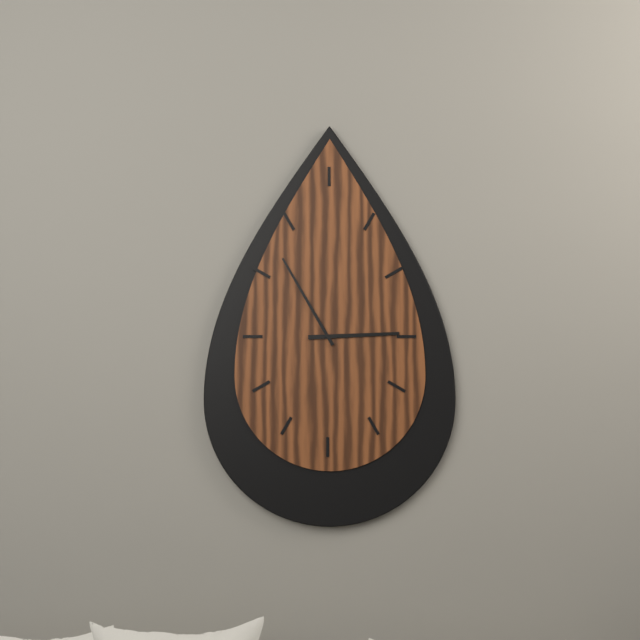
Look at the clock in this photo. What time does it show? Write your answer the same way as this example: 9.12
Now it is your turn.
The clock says 2.55
